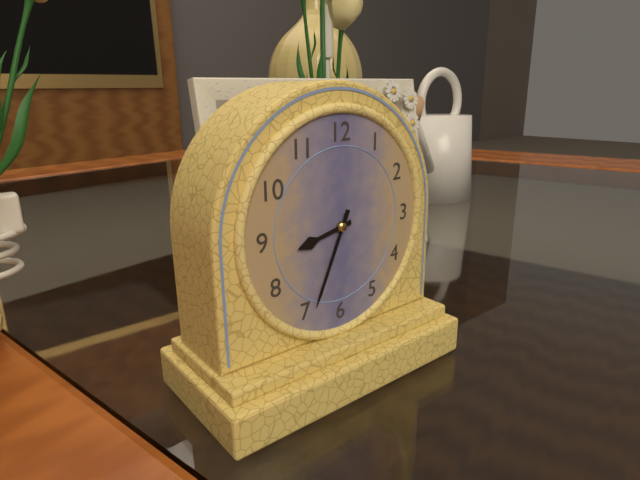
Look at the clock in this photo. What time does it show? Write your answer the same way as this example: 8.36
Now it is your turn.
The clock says 8.34
